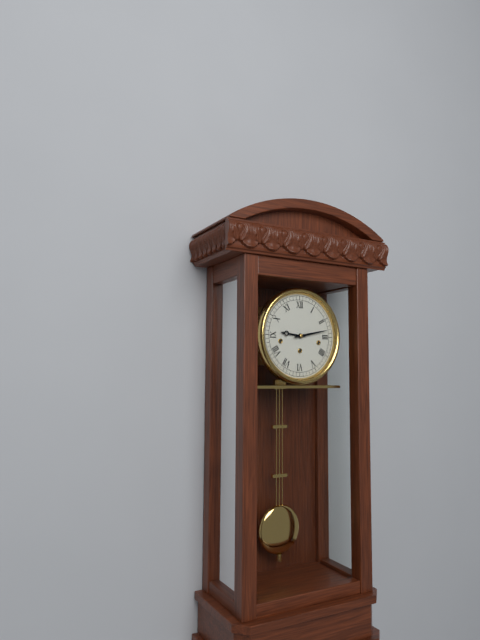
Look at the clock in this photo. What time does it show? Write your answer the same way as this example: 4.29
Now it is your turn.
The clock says 9.13
